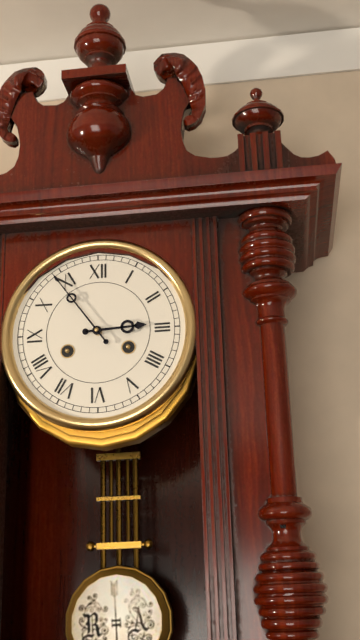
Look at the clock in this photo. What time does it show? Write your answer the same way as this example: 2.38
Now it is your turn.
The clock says 2.54
